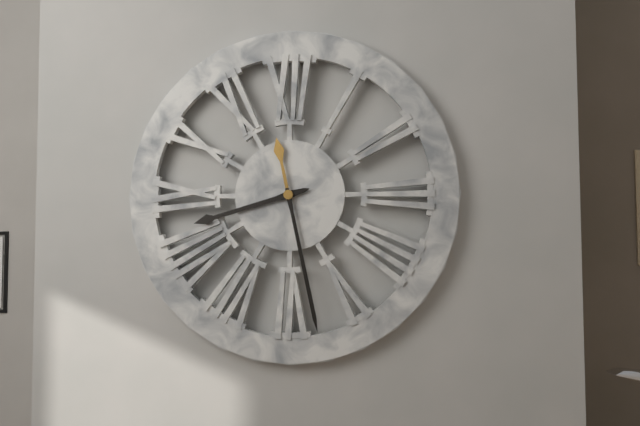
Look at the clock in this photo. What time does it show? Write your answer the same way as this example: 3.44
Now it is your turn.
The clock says 8.28
